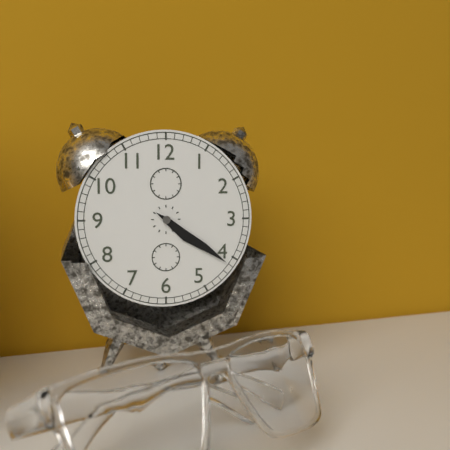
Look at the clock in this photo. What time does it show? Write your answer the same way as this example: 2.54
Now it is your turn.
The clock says 4.21
